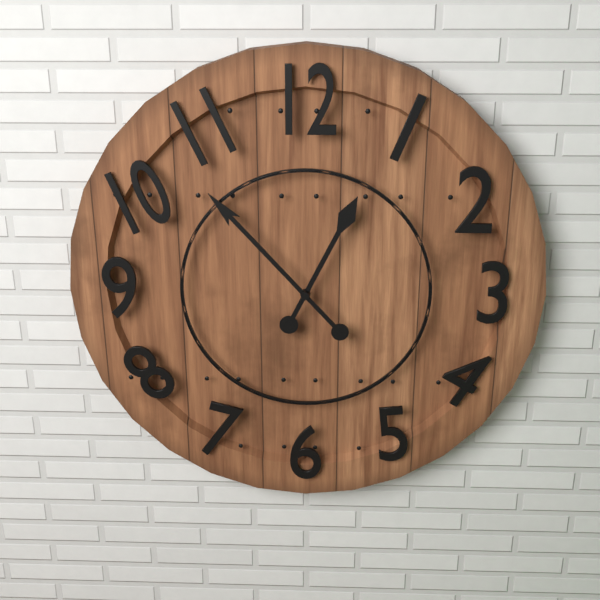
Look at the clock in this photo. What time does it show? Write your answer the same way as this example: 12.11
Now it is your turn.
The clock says 12.53
